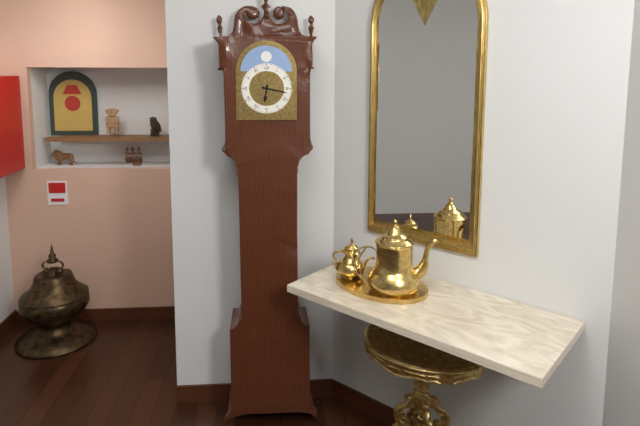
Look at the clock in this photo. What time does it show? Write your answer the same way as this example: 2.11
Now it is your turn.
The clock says 6.17
